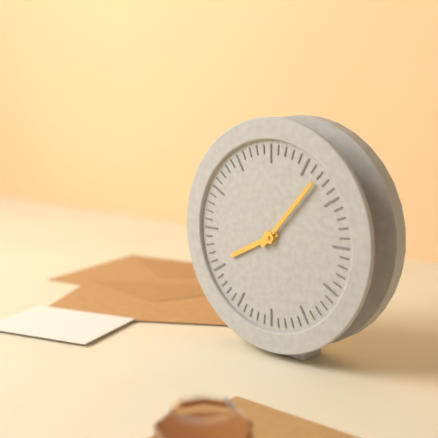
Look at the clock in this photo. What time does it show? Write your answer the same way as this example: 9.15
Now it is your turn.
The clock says 8.07
